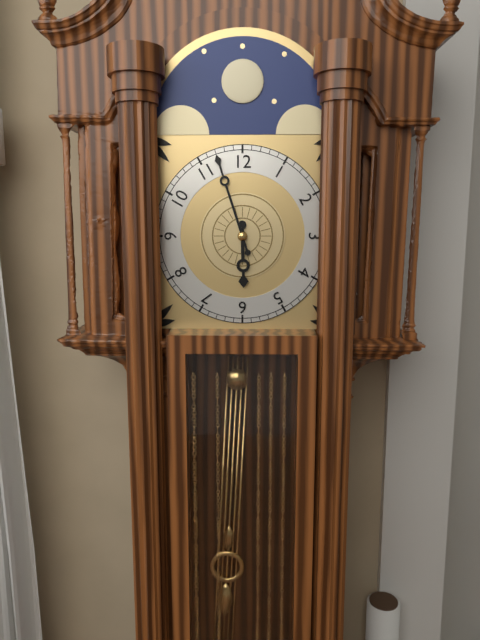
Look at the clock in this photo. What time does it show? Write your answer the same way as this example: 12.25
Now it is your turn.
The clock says 5.57
